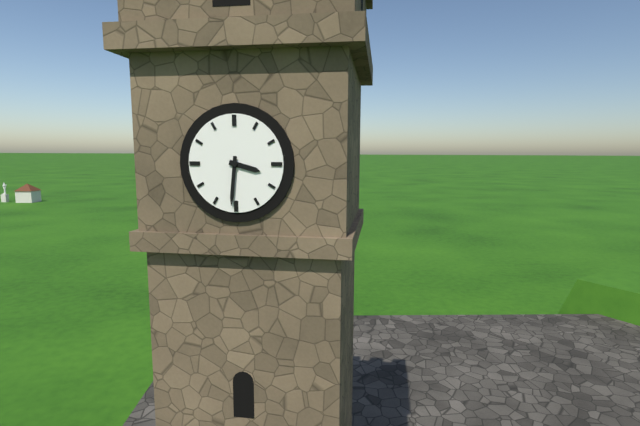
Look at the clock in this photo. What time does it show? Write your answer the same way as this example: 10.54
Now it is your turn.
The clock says 3.31
